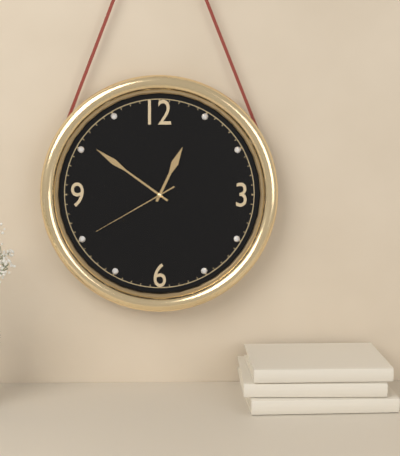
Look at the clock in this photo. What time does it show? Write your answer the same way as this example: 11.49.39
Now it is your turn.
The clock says 12.51.40
